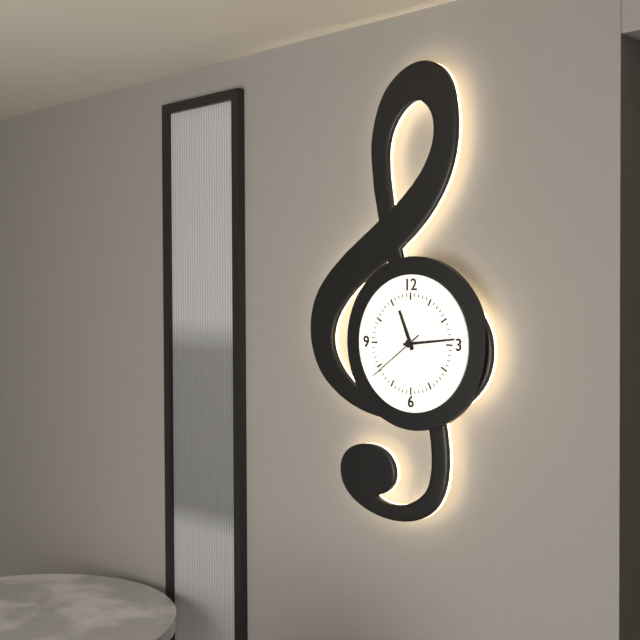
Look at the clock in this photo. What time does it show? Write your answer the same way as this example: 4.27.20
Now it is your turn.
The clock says 11.14.39
